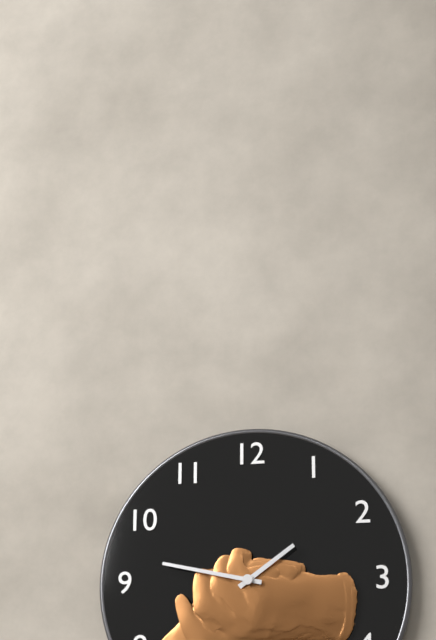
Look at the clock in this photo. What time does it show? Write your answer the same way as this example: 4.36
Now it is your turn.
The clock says 1.47
